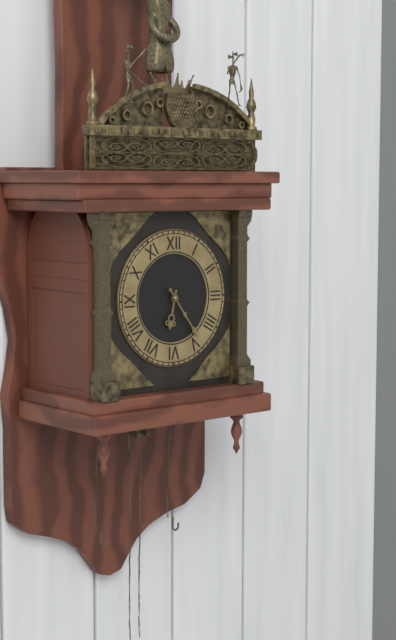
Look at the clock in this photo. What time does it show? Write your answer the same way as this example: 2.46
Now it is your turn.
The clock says 6.24
